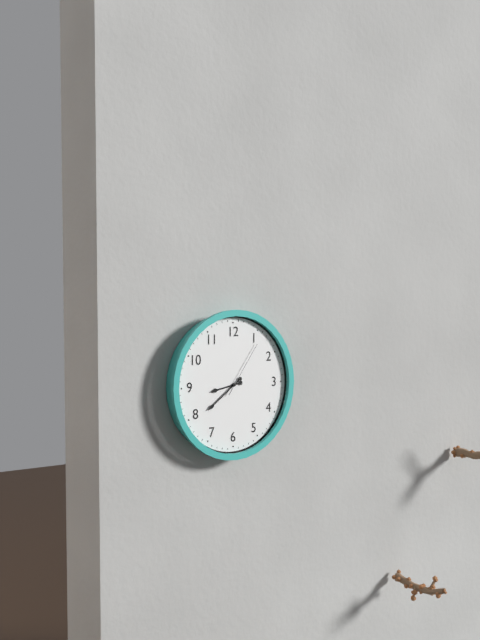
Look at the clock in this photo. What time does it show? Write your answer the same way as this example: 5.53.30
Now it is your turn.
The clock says 8.39.06
